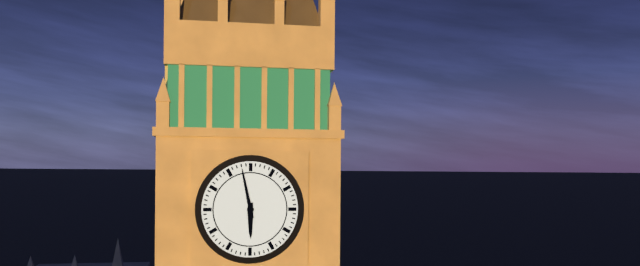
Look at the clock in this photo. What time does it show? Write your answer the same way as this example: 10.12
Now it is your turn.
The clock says 5.58
